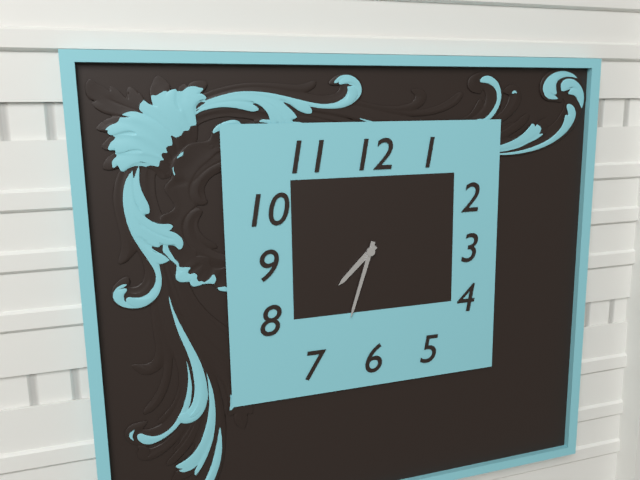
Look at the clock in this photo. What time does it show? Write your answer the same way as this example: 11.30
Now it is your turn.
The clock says 7.33
